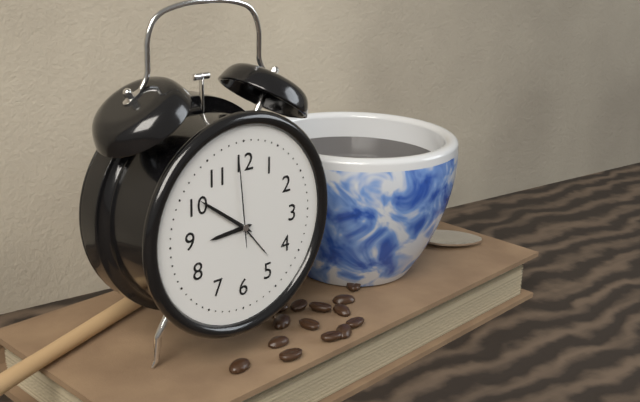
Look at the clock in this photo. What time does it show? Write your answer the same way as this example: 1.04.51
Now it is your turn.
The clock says 8.51.59
